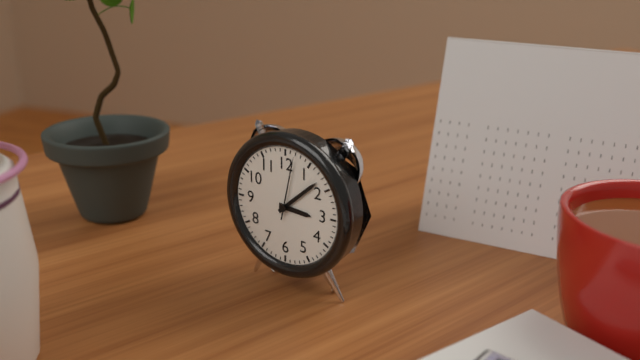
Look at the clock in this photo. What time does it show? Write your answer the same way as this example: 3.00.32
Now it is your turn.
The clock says 3.08.02
